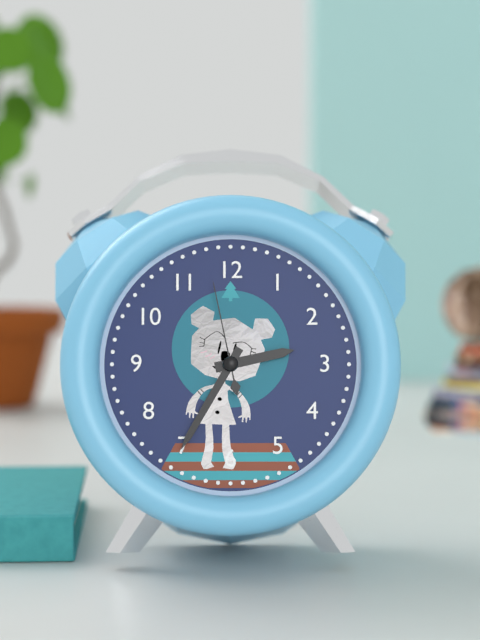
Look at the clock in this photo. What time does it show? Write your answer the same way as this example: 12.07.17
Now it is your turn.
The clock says 2.35.58
